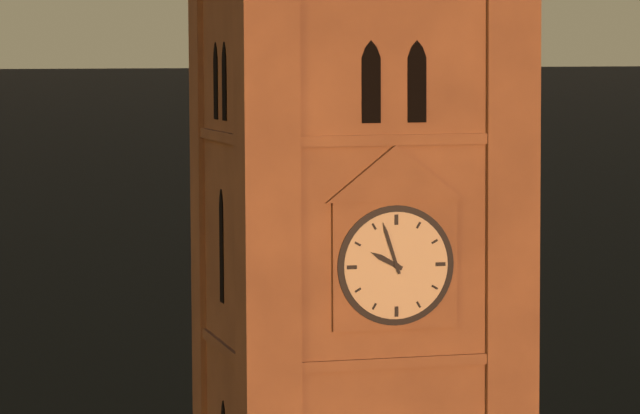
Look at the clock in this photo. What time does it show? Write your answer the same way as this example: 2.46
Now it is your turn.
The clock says 9.57
